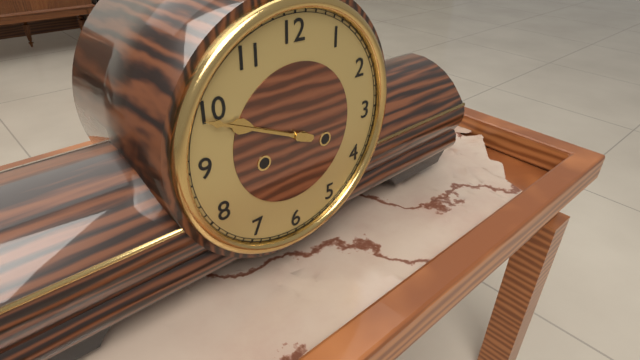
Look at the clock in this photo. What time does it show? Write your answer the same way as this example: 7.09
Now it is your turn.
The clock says 9.49
